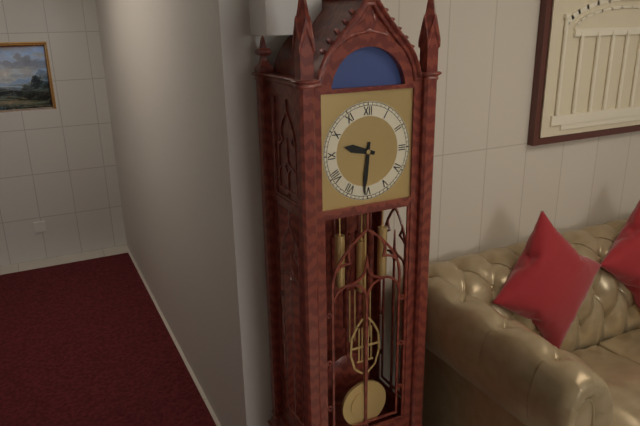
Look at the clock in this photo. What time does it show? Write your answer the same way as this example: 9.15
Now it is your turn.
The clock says 9.31
